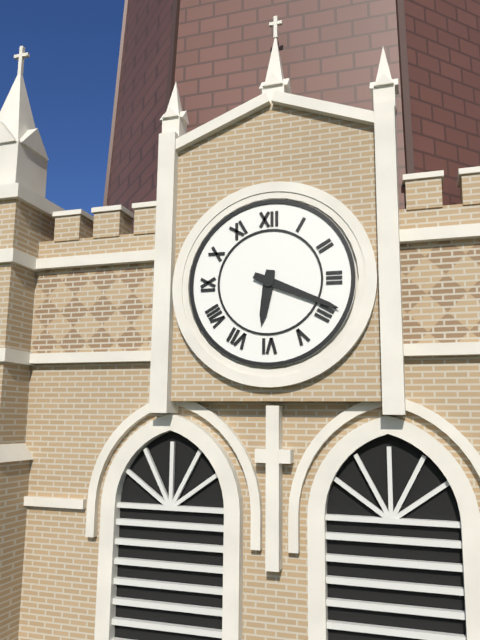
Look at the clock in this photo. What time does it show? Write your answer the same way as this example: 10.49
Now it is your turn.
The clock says 6.19
